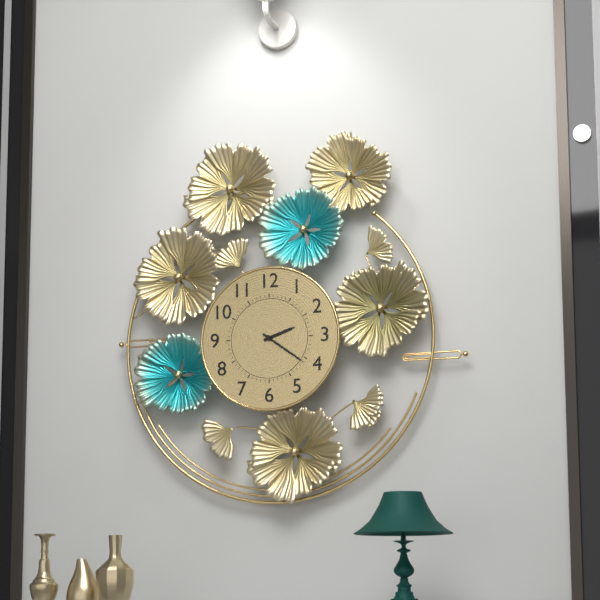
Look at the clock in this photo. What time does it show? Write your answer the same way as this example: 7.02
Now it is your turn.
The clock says 2.21
